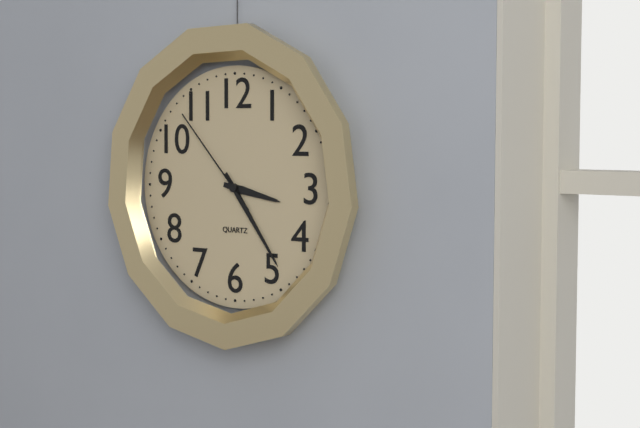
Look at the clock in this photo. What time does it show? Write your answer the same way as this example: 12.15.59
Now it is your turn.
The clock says 3.24.53
